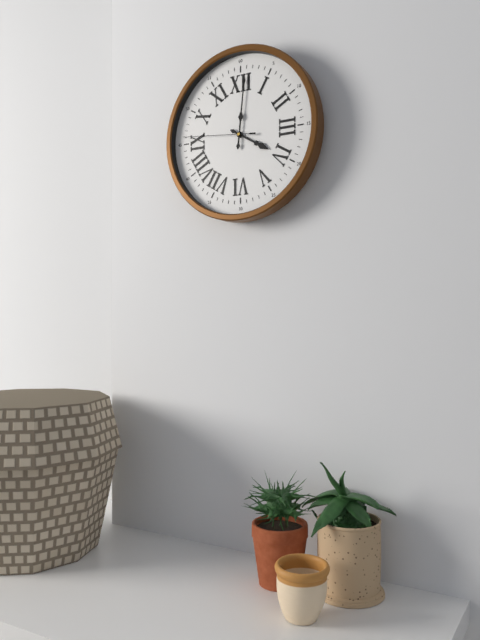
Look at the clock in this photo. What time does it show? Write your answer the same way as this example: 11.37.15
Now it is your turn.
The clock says 4.01.46
